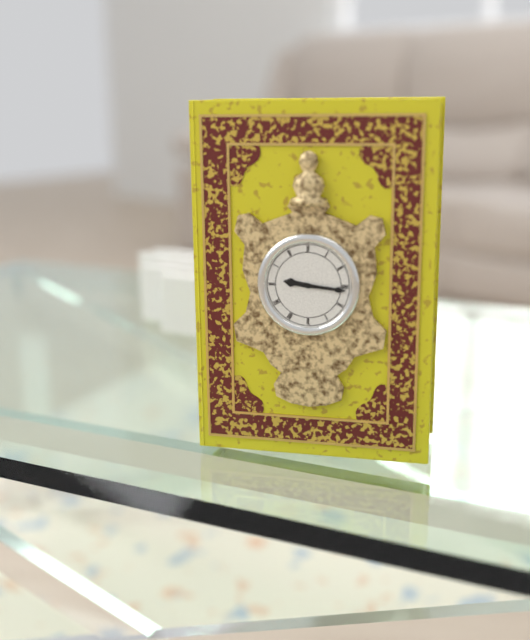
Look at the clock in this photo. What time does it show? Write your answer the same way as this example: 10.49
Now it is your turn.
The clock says 9.16
